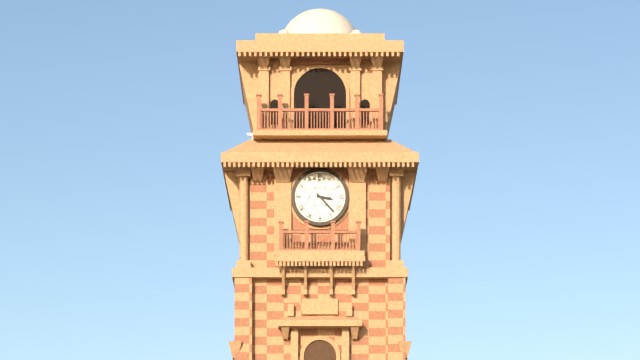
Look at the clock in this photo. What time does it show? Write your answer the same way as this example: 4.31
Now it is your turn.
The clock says 3.23
